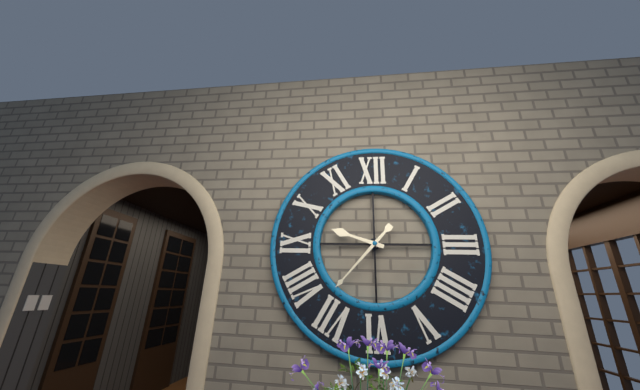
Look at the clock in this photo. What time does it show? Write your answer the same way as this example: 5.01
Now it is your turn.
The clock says 9.37
